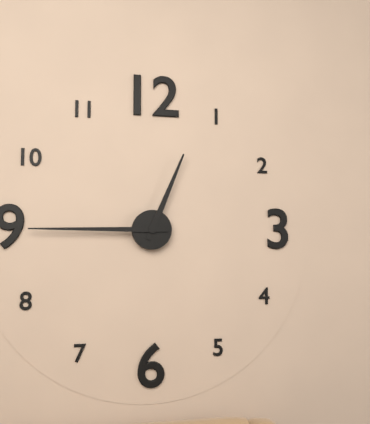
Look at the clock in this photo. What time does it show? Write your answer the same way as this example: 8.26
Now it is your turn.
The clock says 12.45
